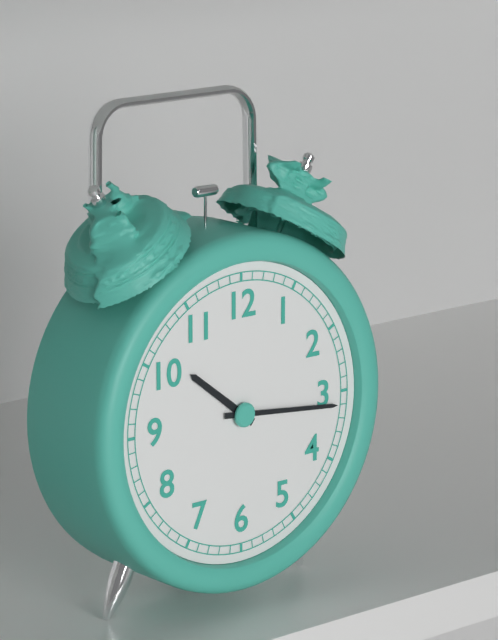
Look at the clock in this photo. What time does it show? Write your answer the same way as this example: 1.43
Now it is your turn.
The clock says 10.16
